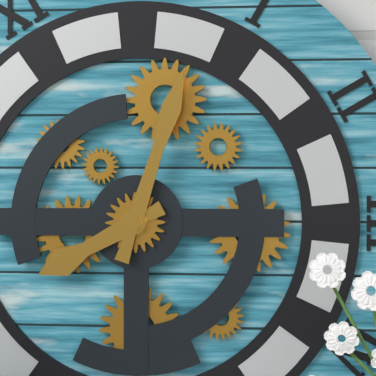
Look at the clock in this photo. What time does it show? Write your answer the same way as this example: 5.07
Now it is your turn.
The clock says 8.03
